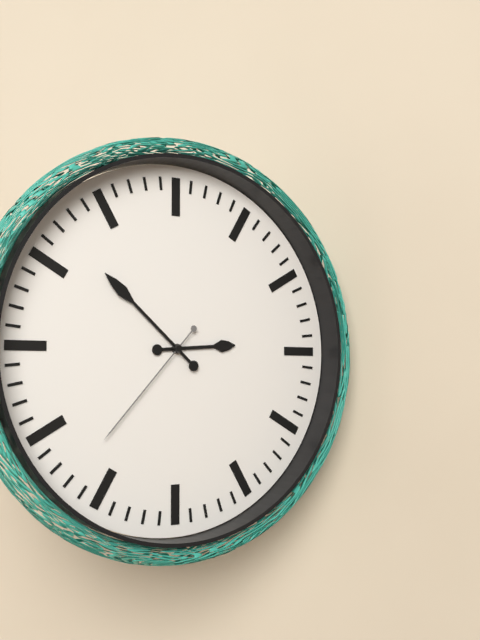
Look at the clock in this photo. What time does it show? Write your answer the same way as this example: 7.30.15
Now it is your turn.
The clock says 2.52.37
